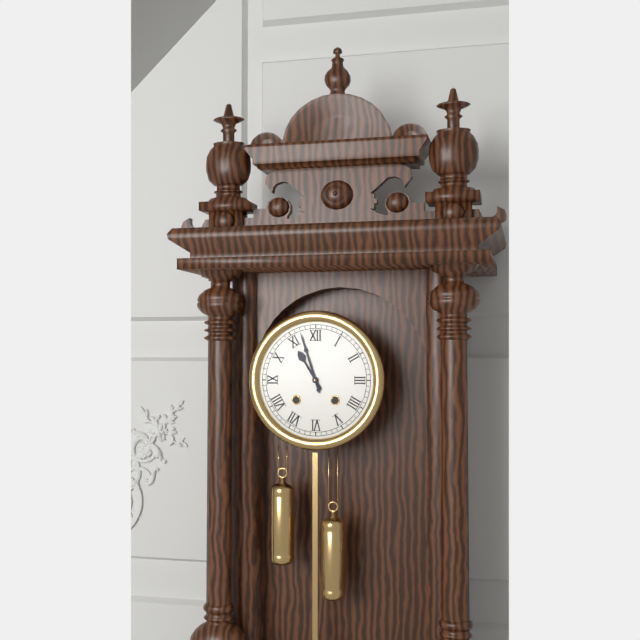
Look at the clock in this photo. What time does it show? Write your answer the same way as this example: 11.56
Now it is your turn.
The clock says 10.57
